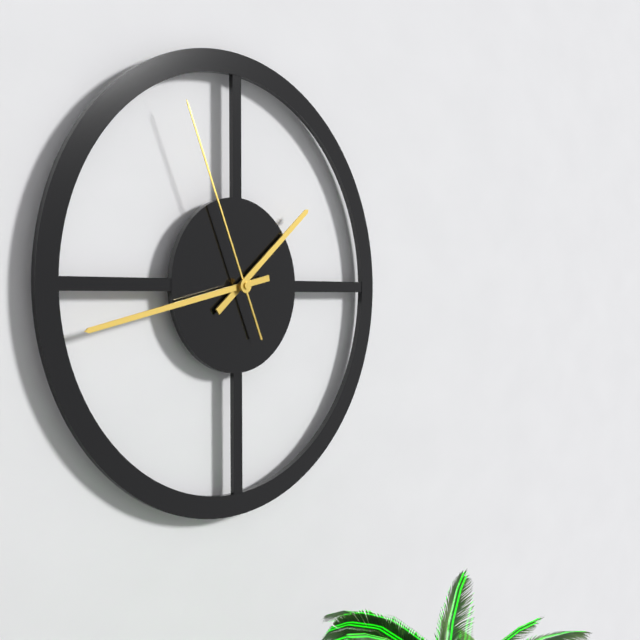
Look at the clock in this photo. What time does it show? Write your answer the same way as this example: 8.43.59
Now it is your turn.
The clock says 1.43.56
